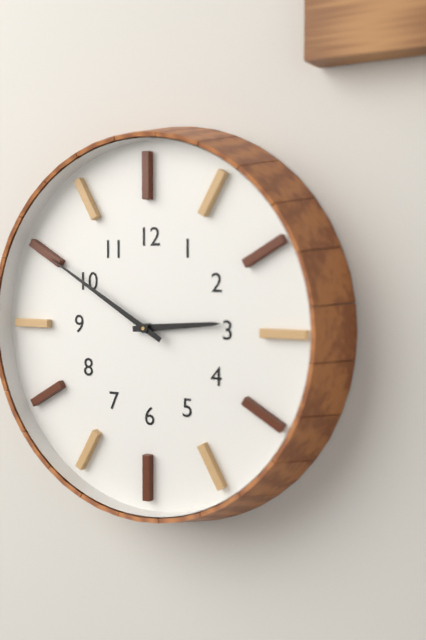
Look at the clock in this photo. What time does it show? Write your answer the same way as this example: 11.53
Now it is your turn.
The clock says 2.50
